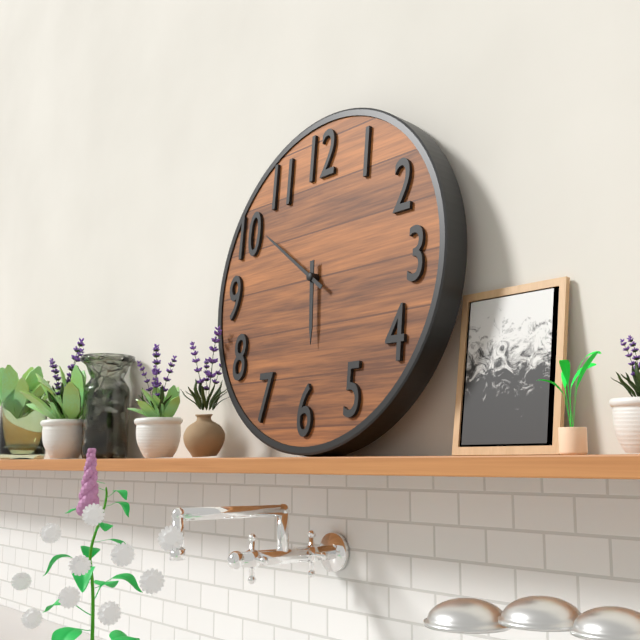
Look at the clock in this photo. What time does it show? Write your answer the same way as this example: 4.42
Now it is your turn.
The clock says 5.51
